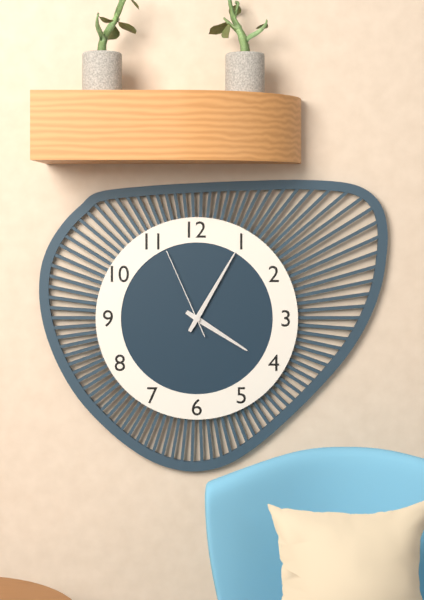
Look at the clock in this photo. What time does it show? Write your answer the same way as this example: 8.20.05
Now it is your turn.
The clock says 4.05.56
